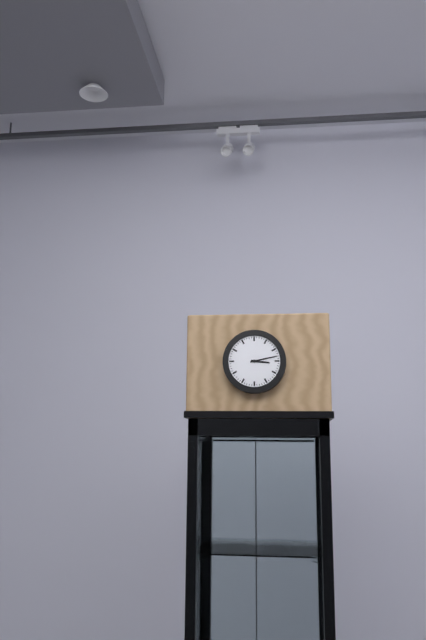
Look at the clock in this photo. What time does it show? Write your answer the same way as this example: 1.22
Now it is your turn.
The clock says 3.13
